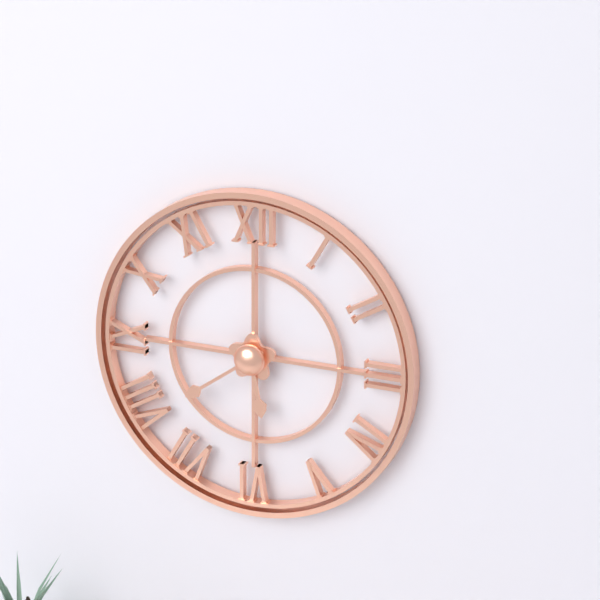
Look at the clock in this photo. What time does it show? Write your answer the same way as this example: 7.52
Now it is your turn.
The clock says 5.39
